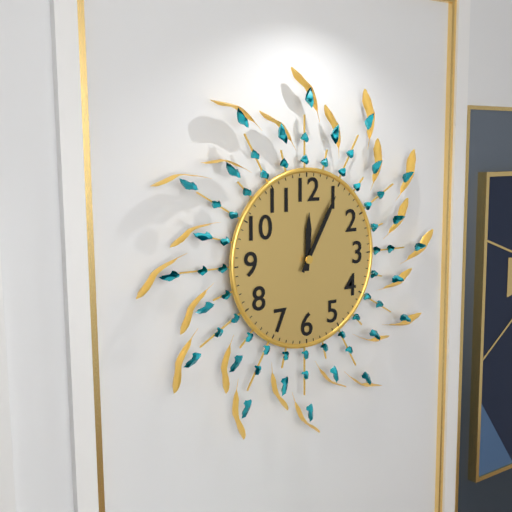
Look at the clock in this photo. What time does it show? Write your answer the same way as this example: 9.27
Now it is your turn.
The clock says 12.05
